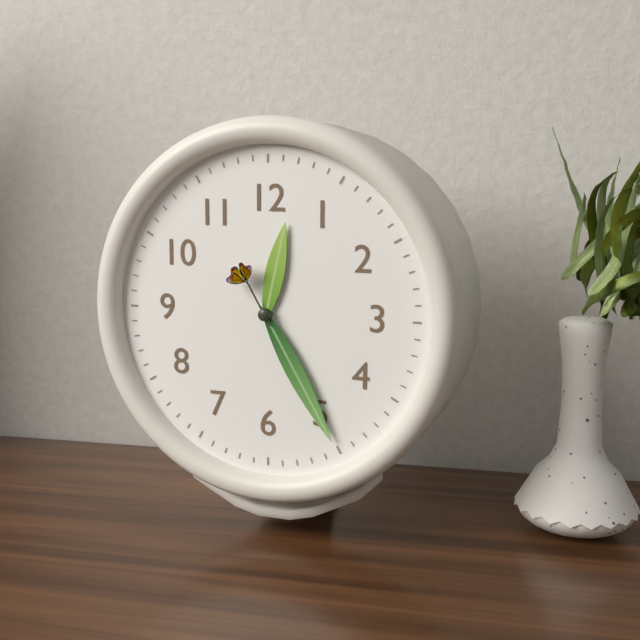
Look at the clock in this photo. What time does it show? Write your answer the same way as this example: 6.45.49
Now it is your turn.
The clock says 12.25.55
